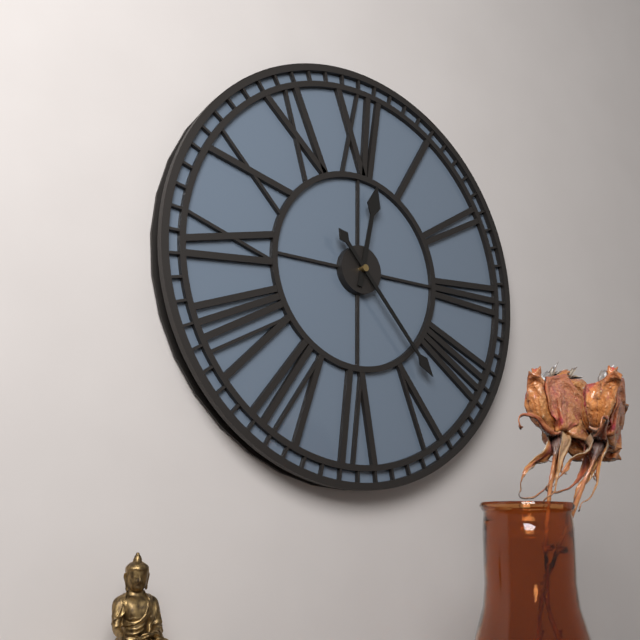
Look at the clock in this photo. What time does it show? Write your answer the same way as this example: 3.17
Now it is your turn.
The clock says 12.23
